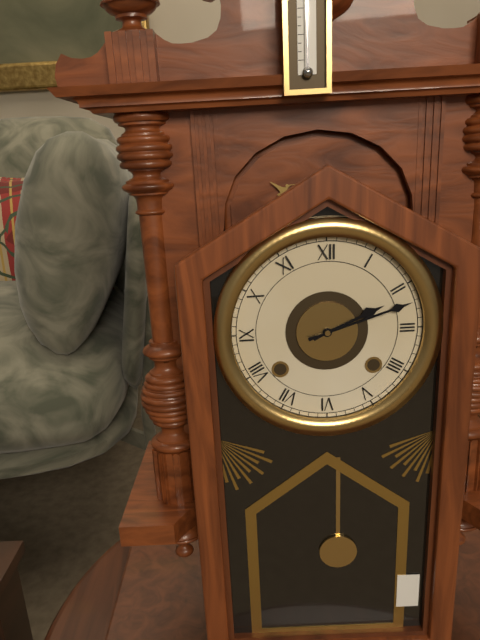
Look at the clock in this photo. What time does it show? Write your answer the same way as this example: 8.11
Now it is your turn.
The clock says 2.12
